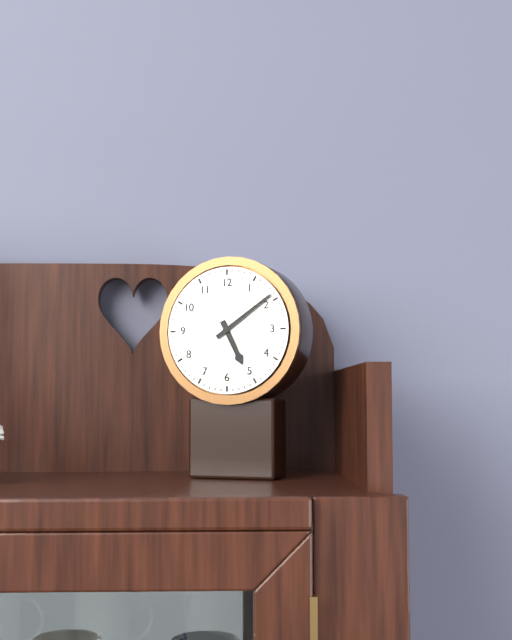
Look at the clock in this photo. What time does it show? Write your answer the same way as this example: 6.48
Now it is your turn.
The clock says 5.09
